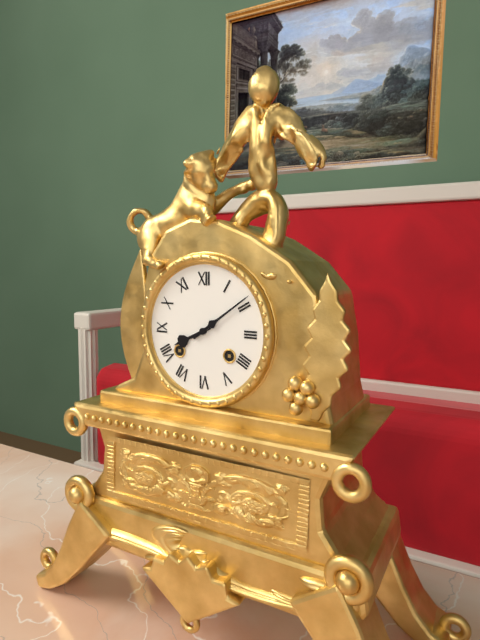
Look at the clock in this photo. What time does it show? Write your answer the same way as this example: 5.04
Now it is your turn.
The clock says 8.09
